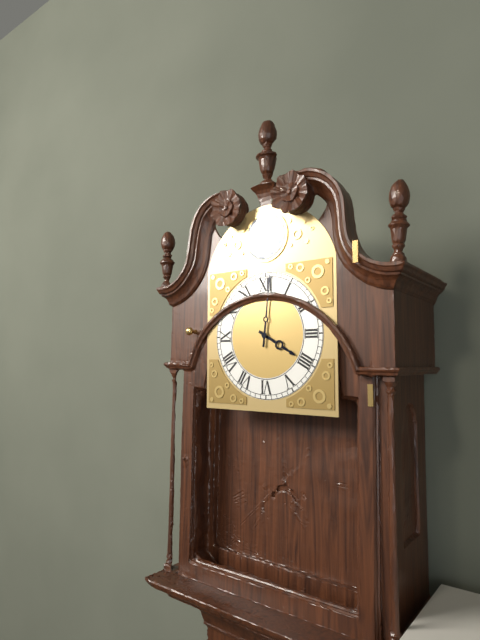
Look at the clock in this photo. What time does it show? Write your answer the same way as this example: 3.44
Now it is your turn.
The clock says 4.01
